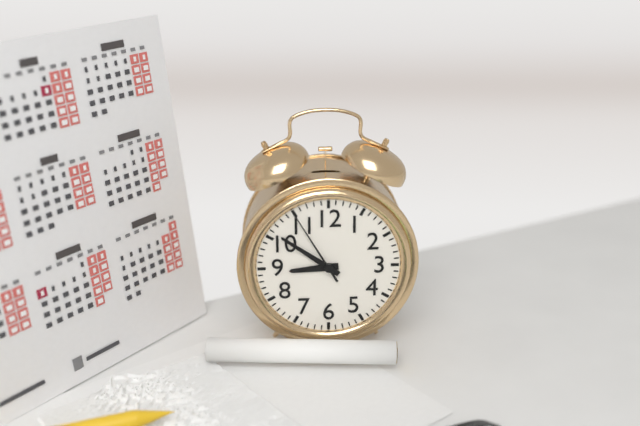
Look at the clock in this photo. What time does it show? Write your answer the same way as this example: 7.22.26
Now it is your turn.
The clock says 8.51.55
